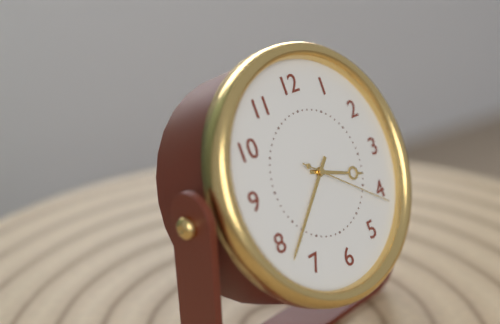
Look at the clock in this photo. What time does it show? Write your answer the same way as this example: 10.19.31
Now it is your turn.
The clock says 3.38.21
